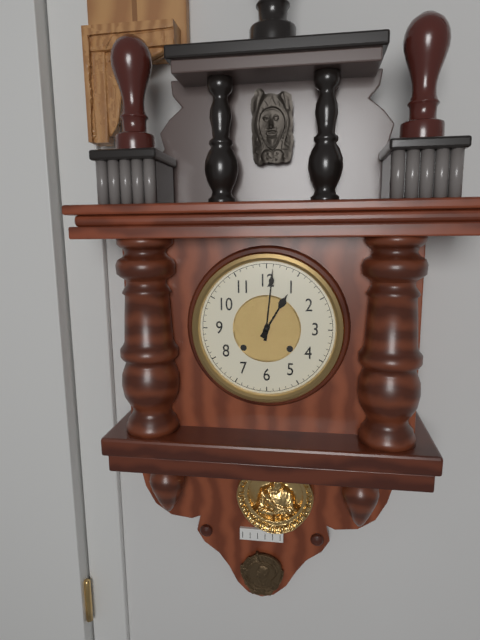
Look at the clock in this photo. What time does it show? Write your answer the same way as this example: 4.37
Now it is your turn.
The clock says 1.01
